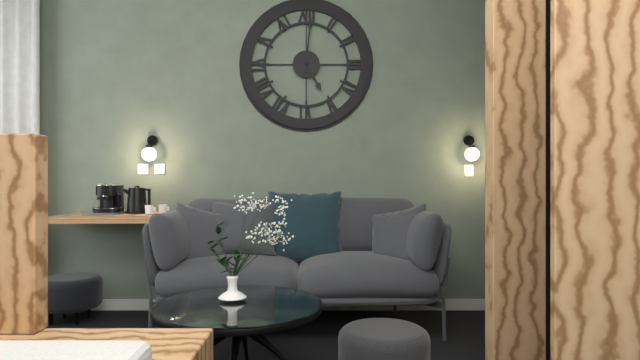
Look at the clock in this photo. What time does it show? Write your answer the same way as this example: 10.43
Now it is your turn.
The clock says 5.01
